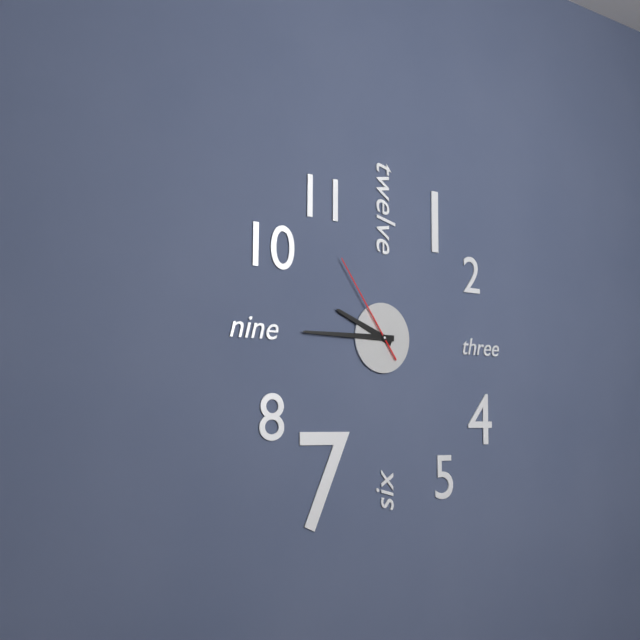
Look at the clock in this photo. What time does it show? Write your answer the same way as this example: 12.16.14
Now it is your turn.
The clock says 9.45.54
